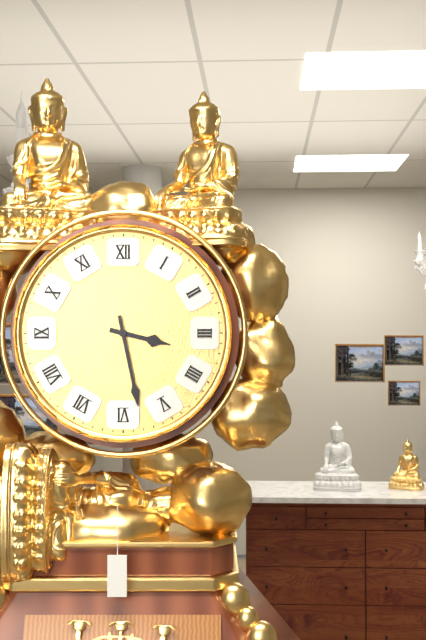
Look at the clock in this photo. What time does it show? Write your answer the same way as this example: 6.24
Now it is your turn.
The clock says 3.28
